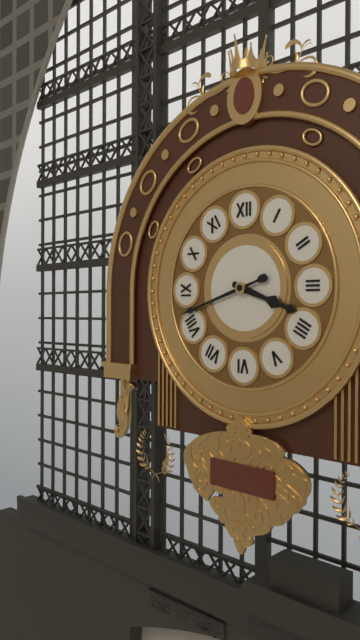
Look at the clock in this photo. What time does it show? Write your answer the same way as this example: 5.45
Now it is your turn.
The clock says 3.42
